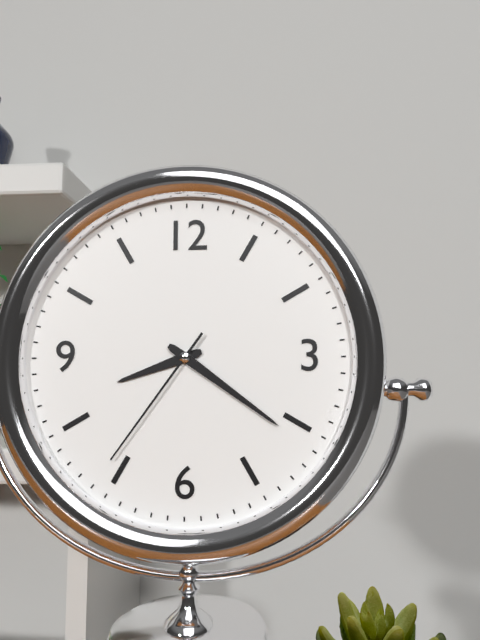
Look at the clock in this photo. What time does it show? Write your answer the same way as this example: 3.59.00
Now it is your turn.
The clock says 8.21.36
